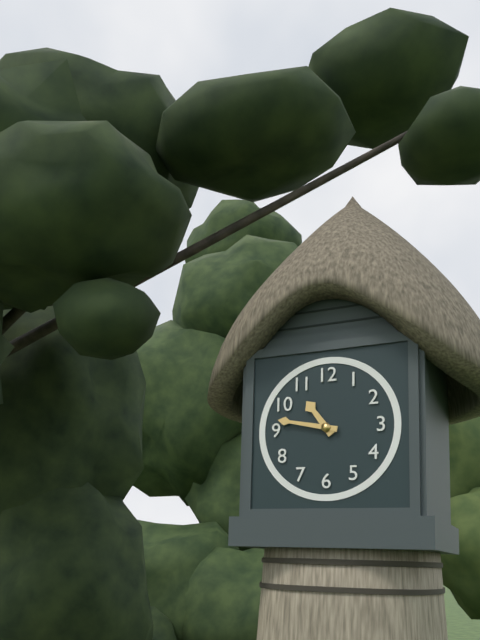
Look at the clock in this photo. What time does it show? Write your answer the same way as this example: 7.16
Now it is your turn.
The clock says 10.47
